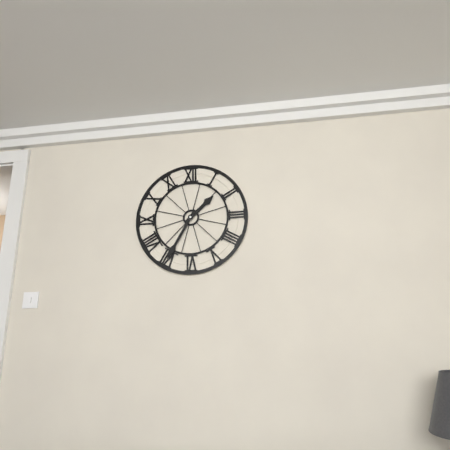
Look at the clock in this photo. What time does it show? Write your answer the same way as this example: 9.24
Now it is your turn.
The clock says 1.35
